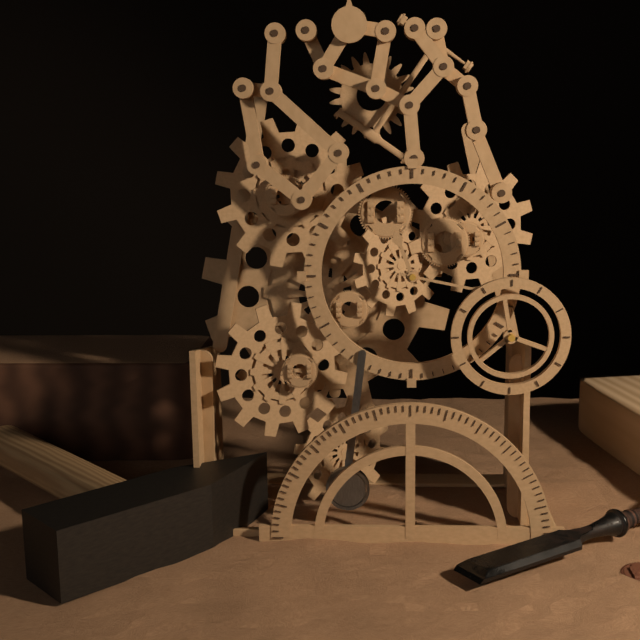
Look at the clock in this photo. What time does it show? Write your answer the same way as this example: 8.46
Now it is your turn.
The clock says 11.17
